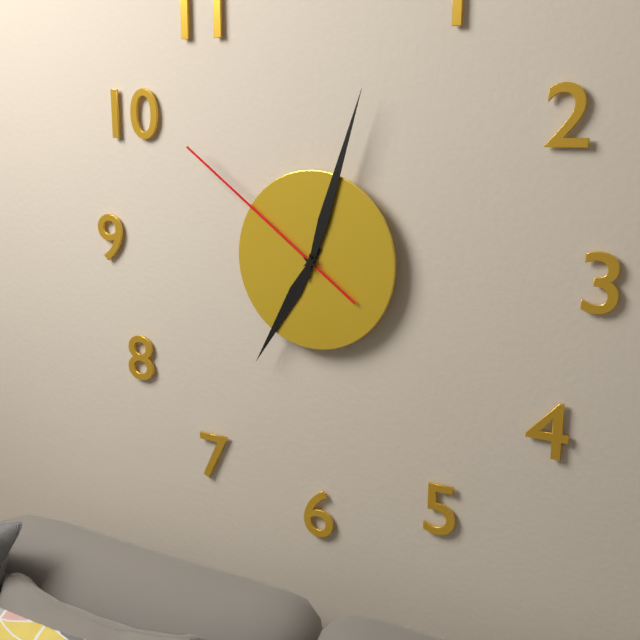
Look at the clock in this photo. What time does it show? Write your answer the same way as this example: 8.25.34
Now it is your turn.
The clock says 7.03.51
